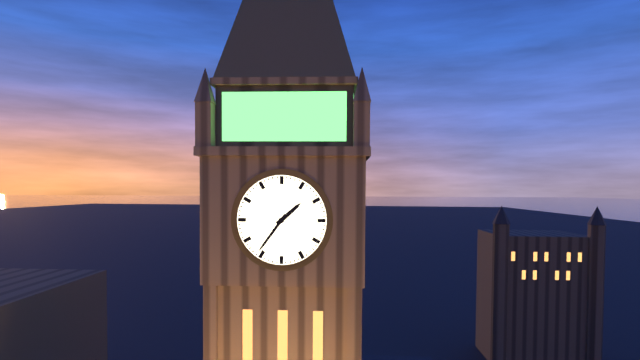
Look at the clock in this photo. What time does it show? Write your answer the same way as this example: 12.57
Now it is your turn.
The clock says 1.36
